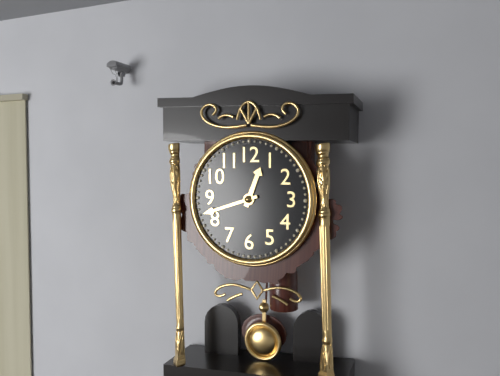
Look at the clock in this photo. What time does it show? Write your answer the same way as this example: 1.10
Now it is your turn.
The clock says 12.42
